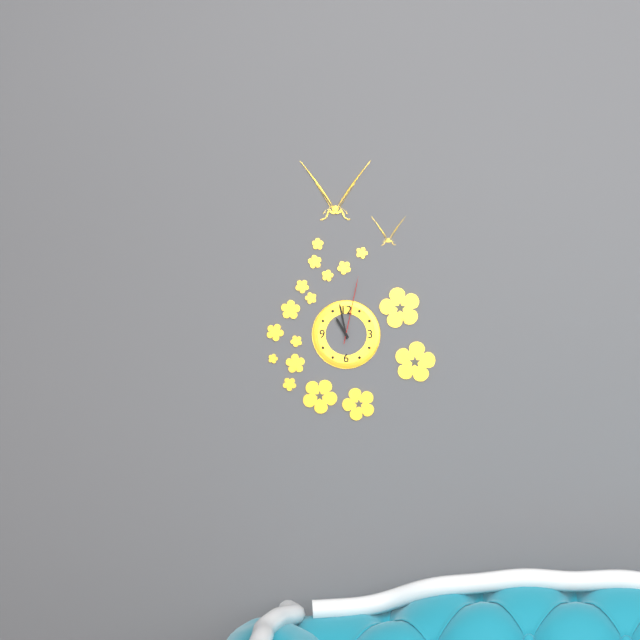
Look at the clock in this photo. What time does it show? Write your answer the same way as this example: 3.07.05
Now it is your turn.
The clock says 10.58.02
